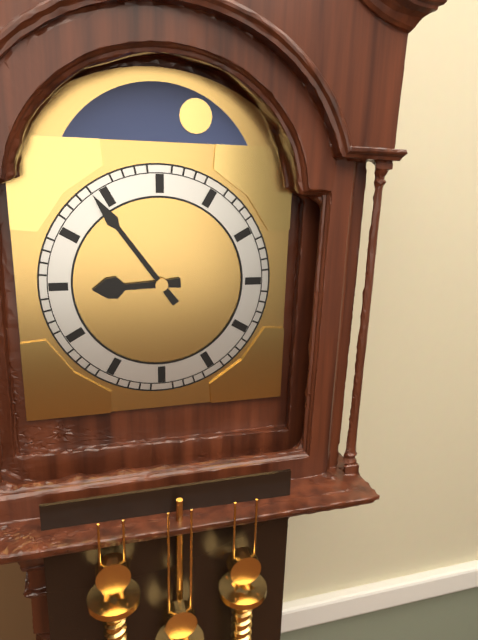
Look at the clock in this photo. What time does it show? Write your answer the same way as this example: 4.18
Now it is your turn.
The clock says 8.54
